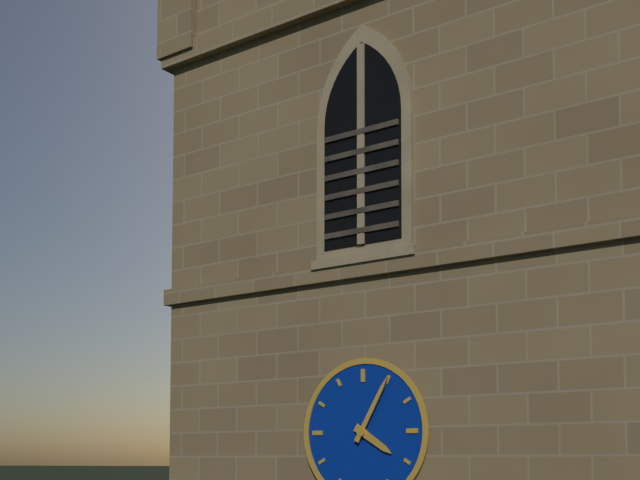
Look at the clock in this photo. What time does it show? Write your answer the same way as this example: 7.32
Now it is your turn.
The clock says 4.05
